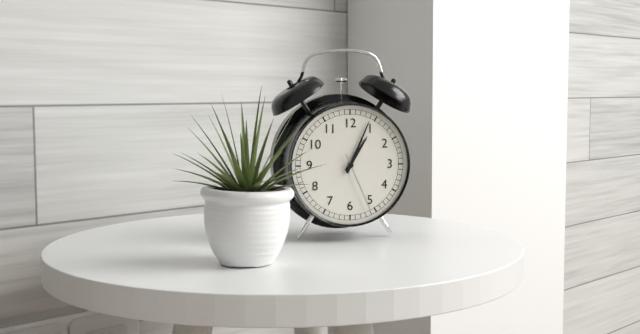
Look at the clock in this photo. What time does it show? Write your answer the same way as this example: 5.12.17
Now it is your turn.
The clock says 1.04.26
